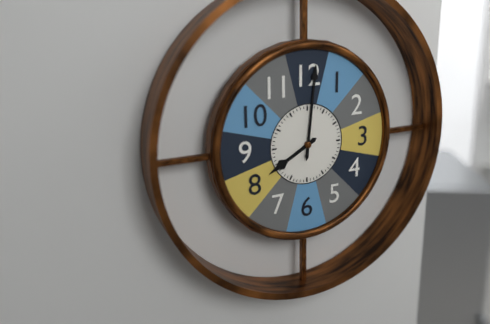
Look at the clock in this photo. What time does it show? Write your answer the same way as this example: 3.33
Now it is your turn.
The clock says 8.01
